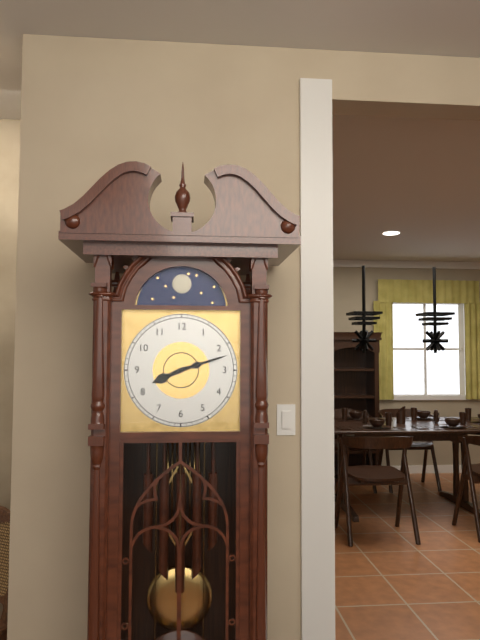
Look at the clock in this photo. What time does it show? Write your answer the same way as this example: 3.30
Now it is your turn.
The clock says 8.12
